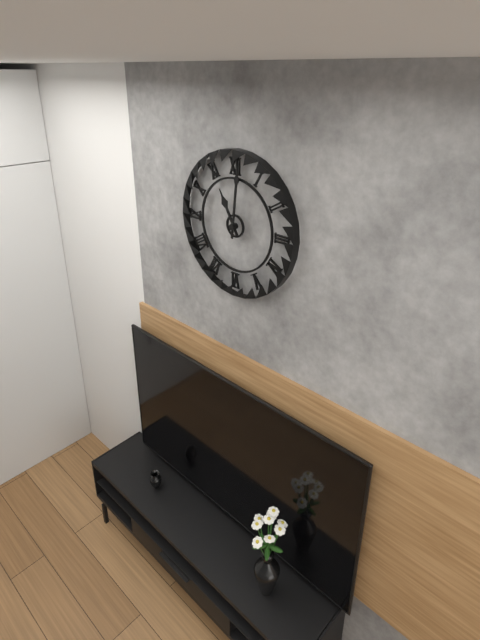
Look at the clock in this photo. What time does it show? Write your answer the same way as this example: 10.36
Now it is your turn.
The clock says 11.01
